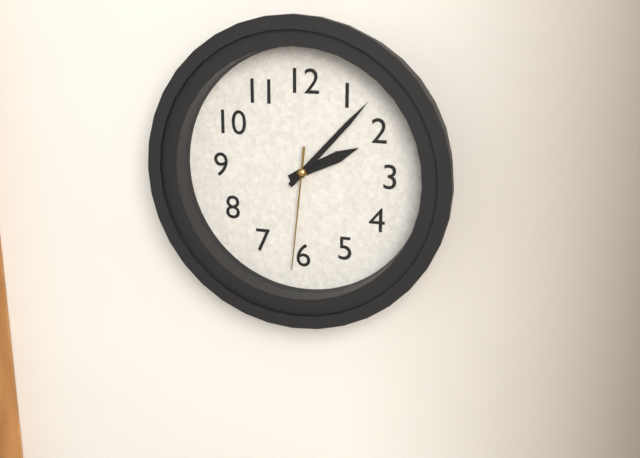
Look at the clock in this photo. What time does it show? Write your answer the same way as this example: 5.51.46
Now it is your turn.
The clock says 2.07.31
